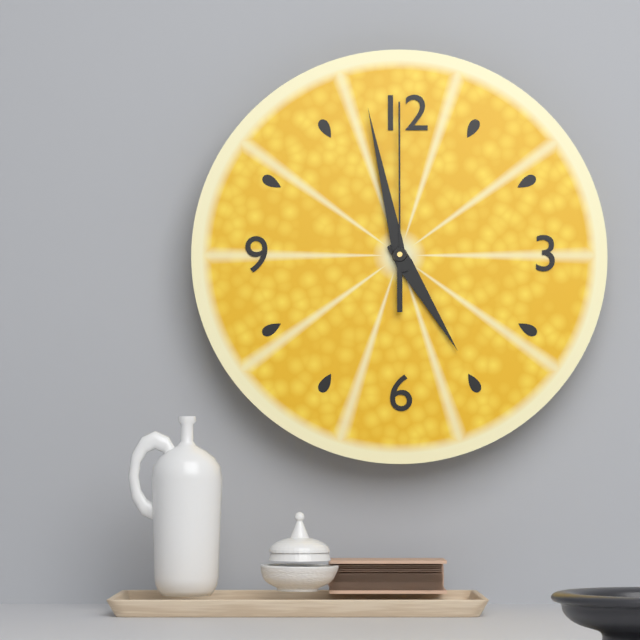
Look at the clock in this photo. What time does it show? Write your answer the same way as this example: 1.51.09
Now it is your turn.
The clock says 4.58.00
